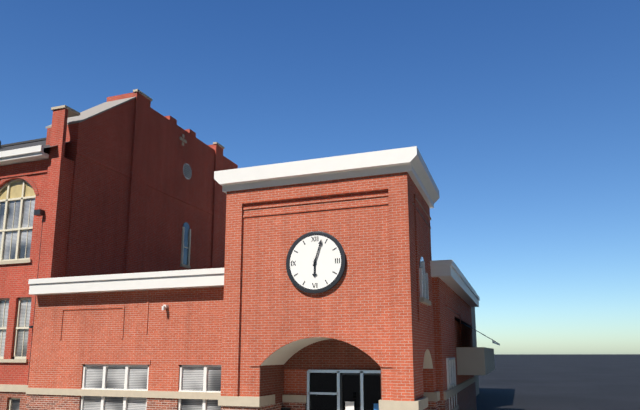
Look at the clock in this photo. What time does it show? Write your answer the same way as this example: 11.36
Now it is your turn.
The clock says 6.03
